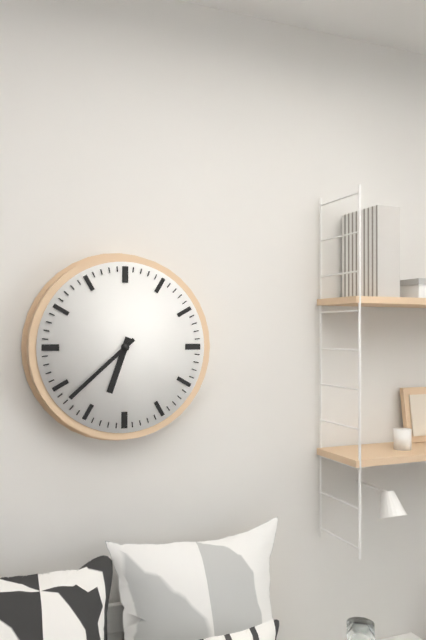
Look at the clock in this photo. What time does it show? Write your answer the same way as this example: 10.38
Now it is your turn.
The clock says 6.38
